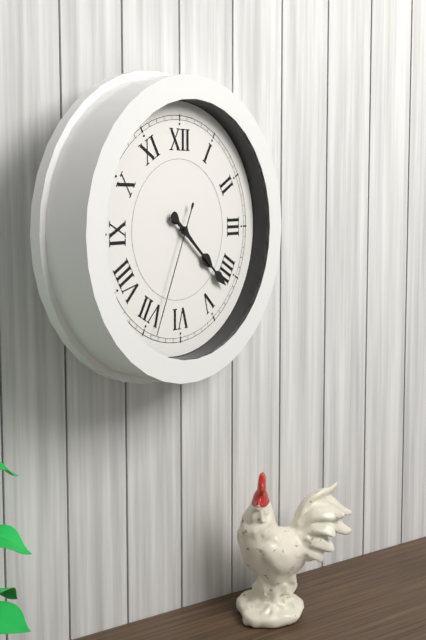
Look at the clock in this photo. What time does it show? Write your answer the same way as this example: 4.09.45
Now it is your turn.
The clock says 4.22.34
